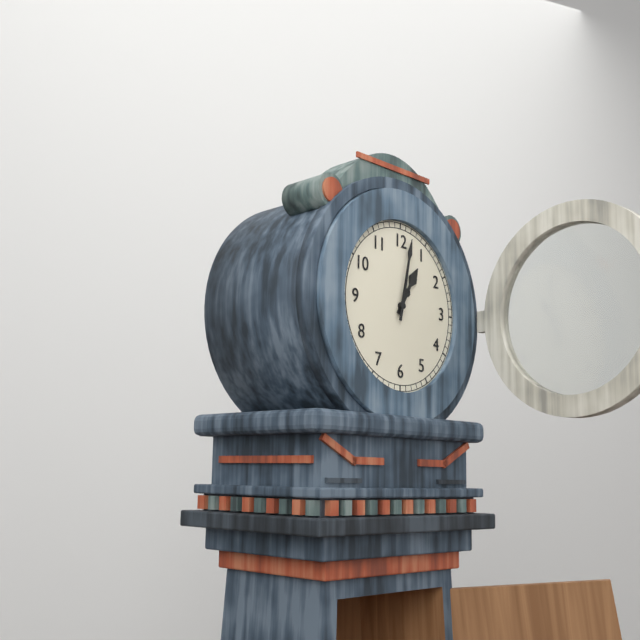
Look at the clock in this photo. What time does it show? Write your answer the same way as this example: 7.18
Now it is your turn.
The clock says 1.02
